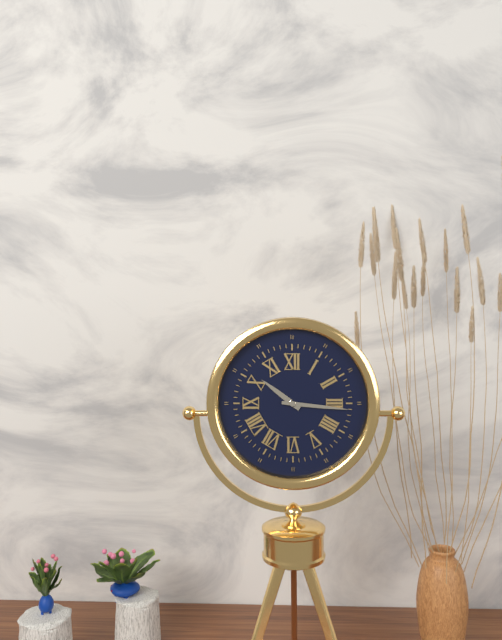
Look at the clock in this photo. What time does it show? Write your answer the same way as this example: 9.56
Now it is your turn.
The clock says 10.16
